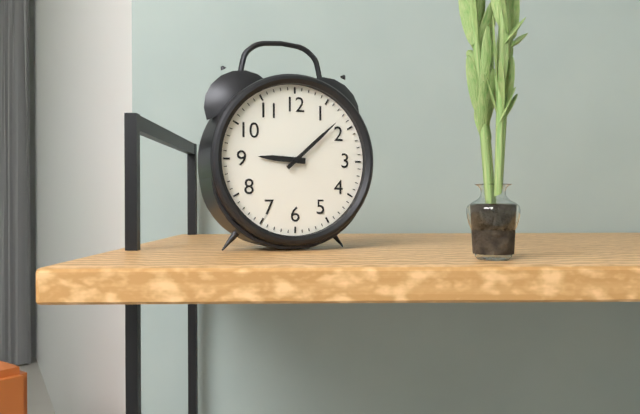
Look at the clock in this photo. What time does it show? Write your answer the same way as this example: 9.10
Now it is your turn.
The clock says 9.08
